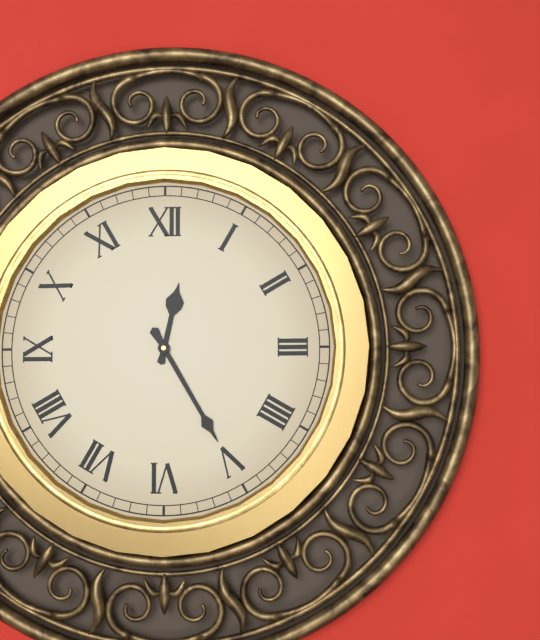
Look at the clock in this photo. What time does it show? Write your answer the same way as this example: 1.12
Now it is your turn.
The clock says 12.25
